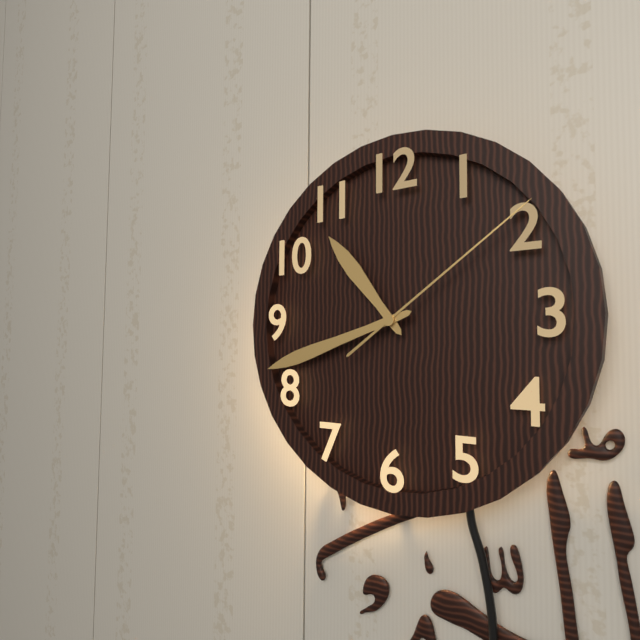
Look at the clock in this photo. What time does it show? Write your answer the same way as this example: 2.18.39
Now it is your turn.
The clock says 10.42.09
